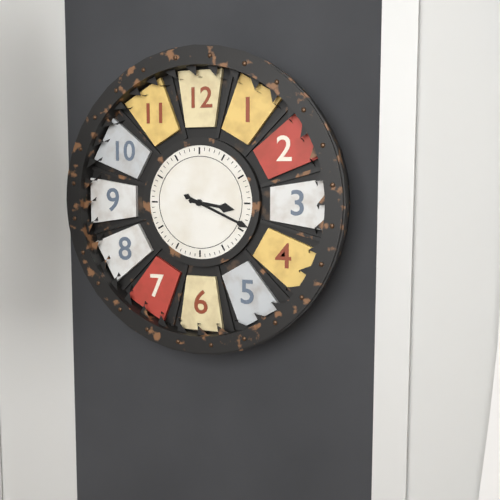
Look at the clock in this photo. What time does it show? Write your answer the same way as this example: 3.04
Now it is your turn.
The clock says 3.19
